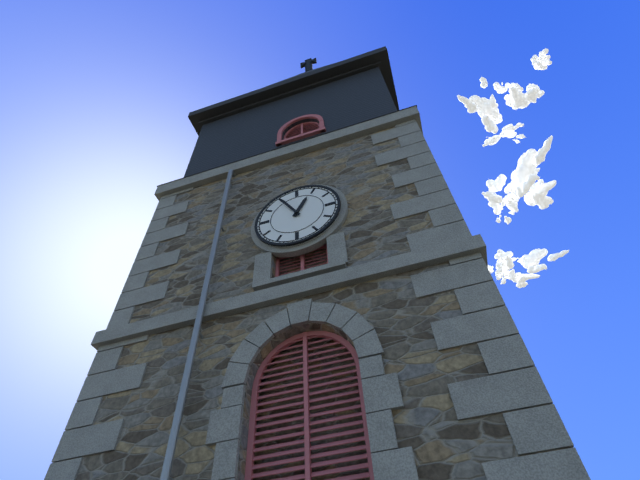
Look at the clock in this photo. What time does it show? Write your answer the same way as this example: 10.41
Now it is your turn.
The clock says 12.55
